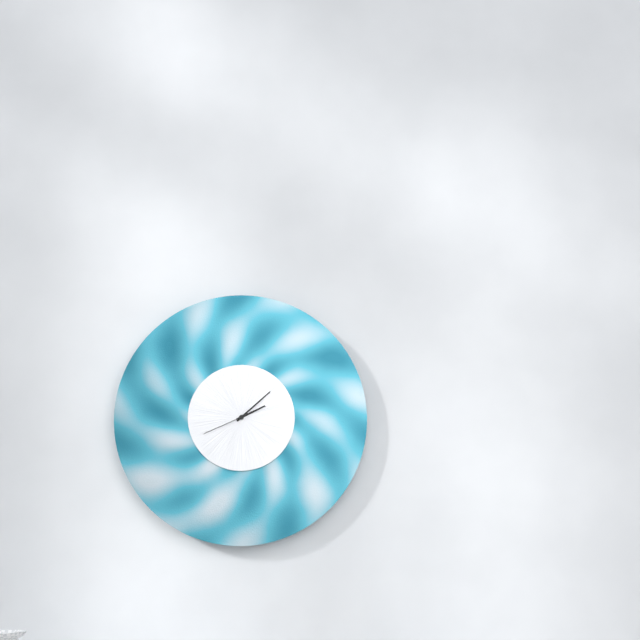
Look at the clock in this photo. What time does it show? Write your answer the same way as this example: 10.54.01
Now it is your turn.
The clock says 2.08.41
